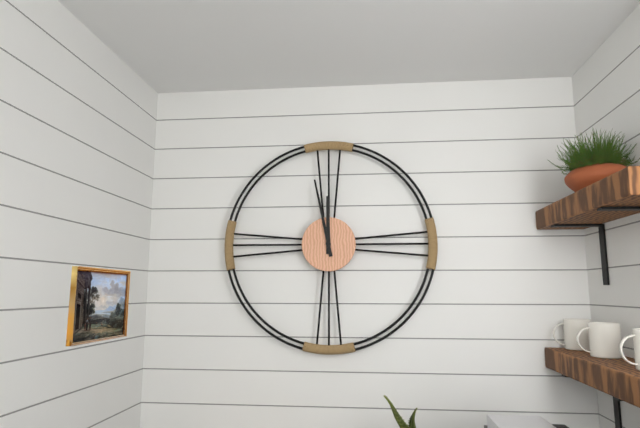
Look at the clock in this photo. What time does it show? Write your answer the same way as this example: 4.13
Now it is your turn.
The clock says 11.58
